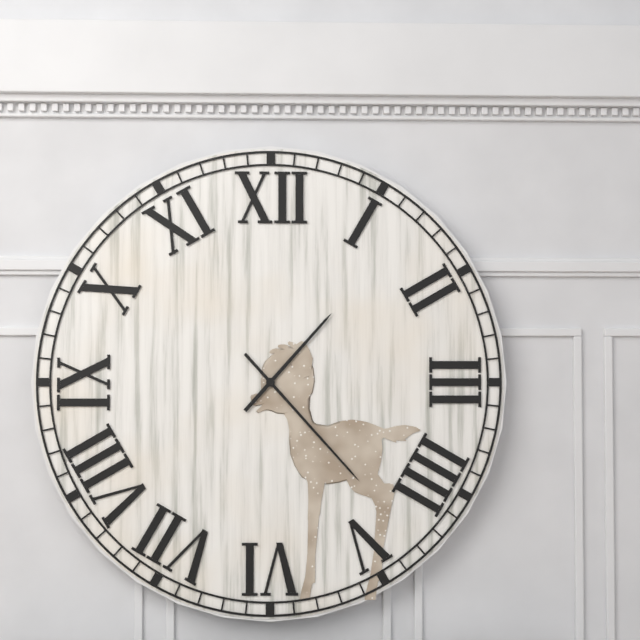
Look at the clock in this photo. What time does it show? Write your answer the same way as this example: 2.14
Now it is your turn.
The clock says 1.23
